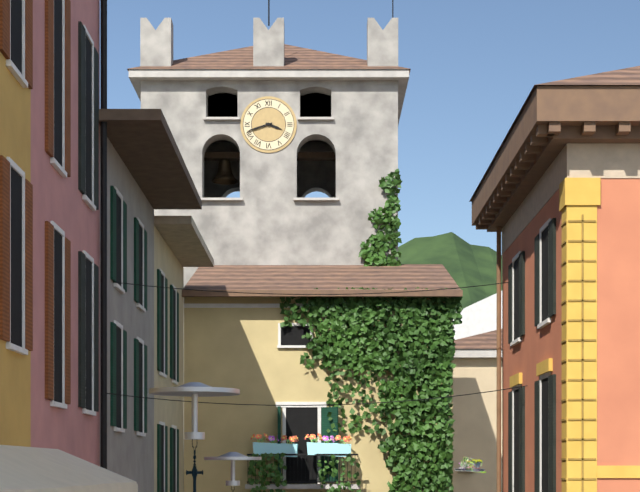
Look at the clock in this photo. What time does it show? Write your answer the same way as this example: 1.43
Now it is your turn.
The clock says 3.42
